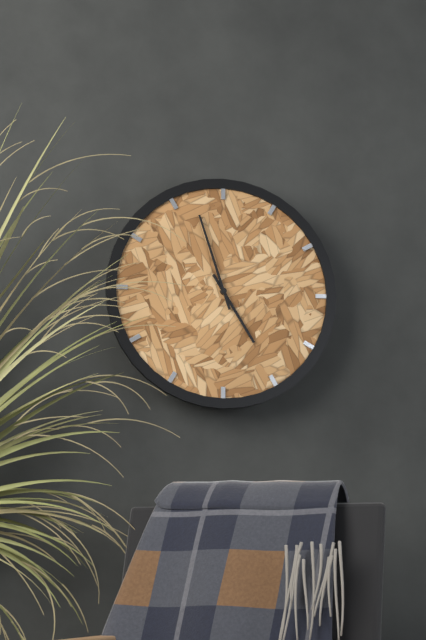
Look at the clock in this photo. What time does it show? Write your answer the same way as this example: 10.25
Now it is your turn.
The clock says 4.57
